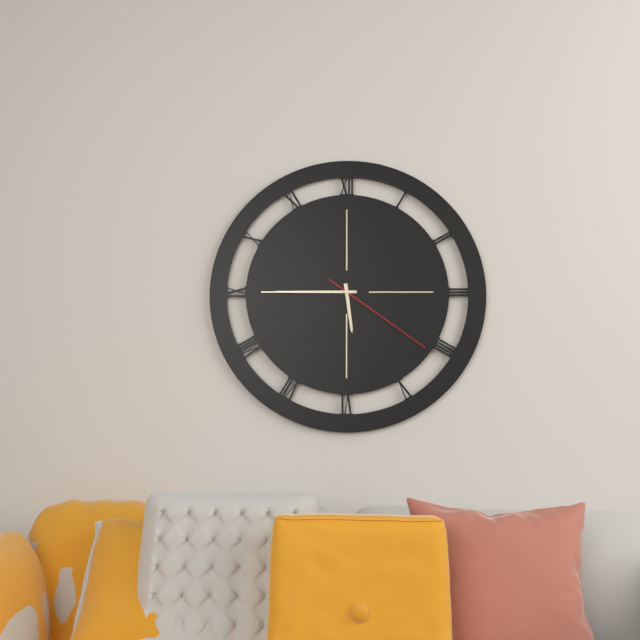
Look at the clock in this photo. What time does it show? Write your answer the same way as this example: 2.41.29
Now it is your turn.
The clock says 5.45.21
